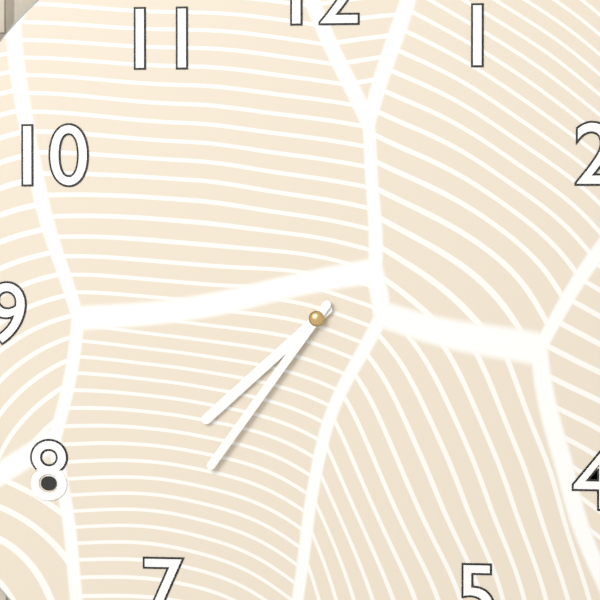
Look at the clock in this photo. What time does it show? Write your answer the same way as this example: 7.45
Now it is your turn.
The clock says 7.36
